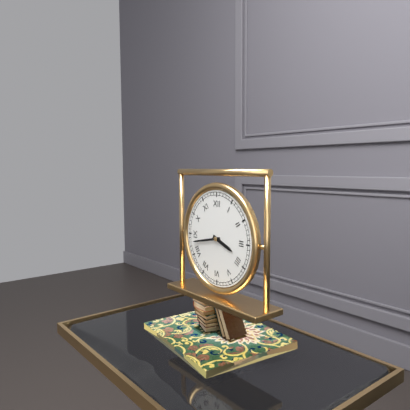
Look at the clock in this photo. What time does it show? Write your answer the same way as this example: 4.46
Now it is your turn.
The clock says 3.43
